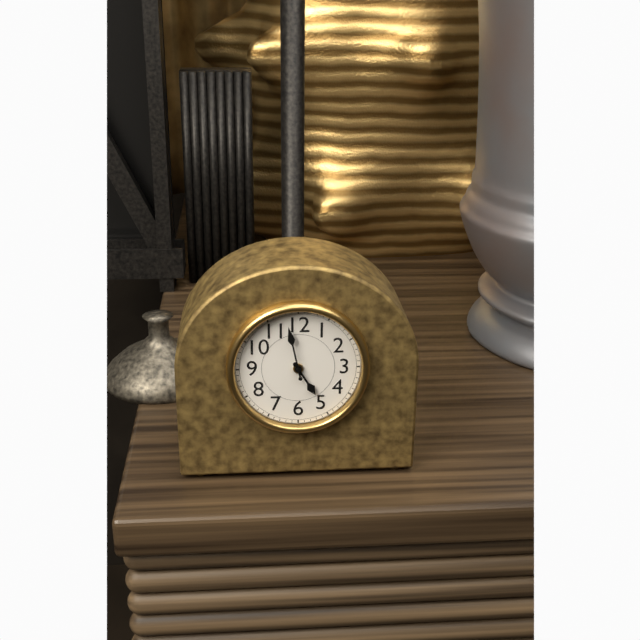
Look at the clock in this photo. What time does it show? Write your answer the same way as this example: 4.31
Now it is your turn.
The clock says 4.58
